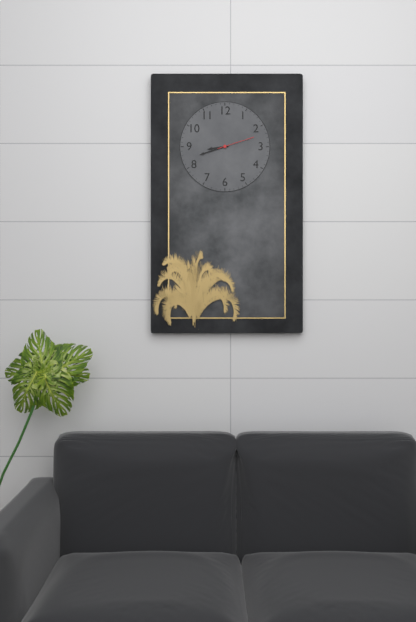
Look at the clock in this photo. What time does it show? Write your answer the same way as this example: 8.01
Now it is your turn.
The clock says 8.42
